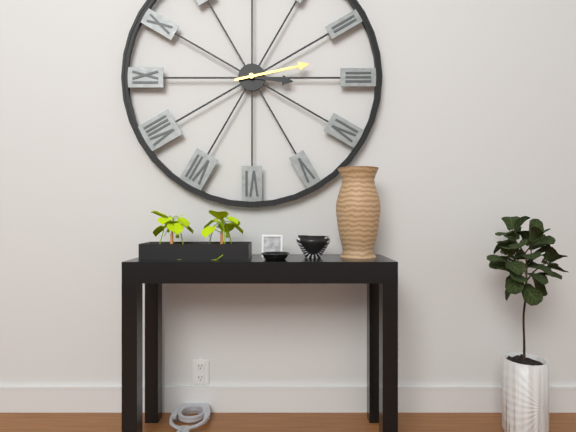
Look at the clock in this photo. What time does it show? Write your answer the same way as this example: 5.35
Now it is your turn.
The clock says 3.13
